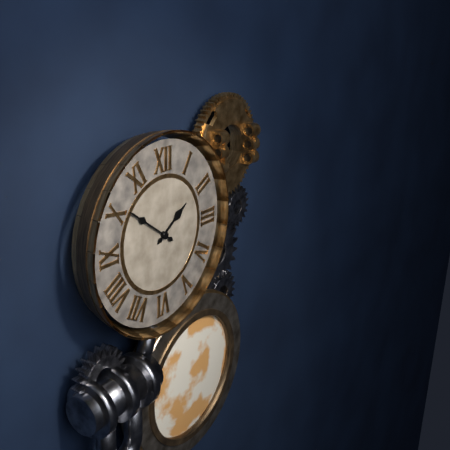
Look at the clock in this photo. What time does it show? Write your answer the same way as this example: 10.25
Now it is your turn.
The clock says 1.51
